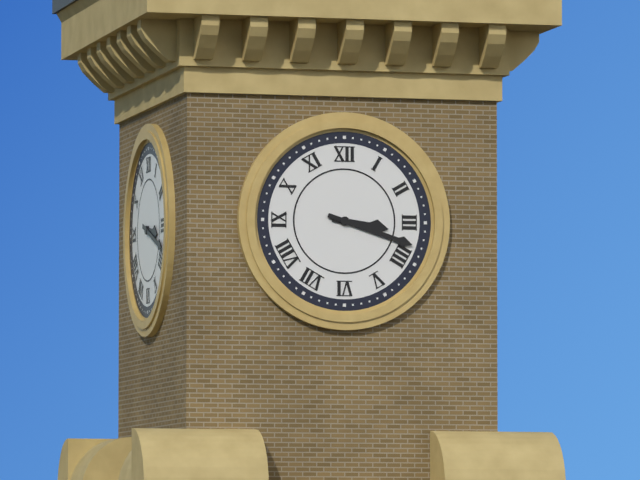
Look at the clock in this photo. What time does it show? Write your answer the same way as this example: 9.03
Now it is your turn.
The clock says 3.18
